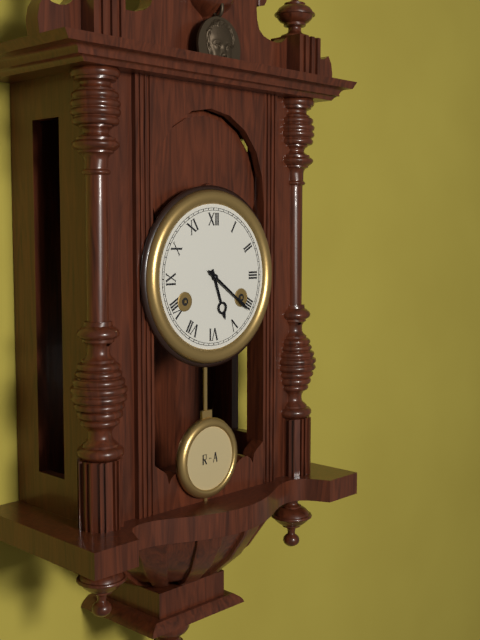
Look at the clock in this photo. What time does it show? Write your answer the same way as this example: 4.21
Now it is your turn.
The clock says 5.21
